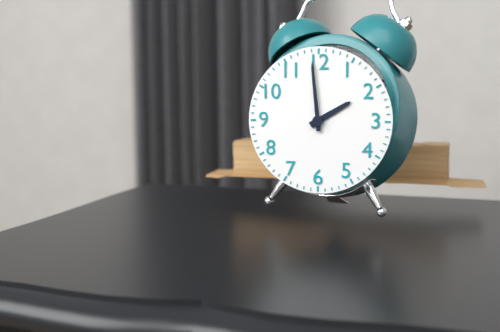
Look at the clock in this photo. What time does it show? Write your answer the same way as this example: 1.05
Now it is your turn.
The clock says 1.59
